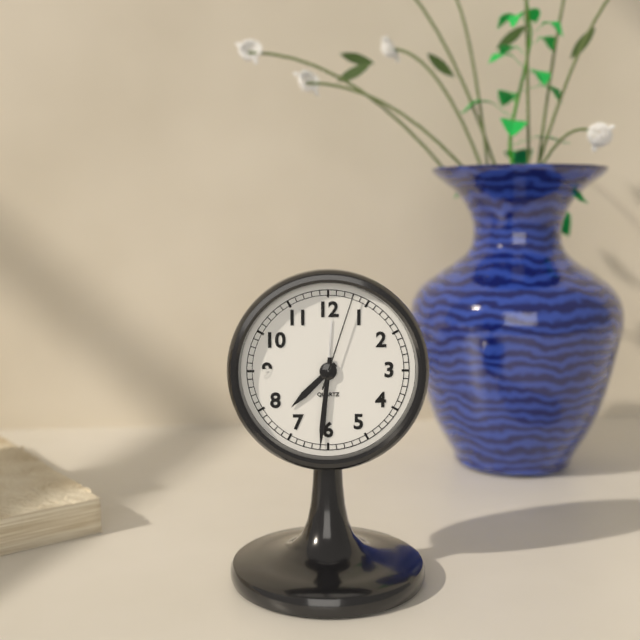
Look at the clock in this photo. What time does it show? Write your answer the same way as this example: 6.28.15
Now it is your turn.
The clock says 7.31.03
